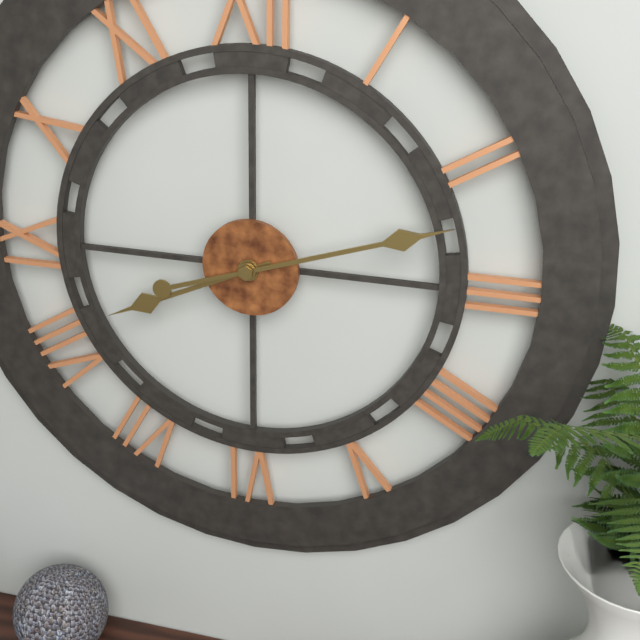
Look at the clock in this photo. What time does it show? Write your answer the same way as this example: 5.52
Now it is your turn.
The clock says 8.12
